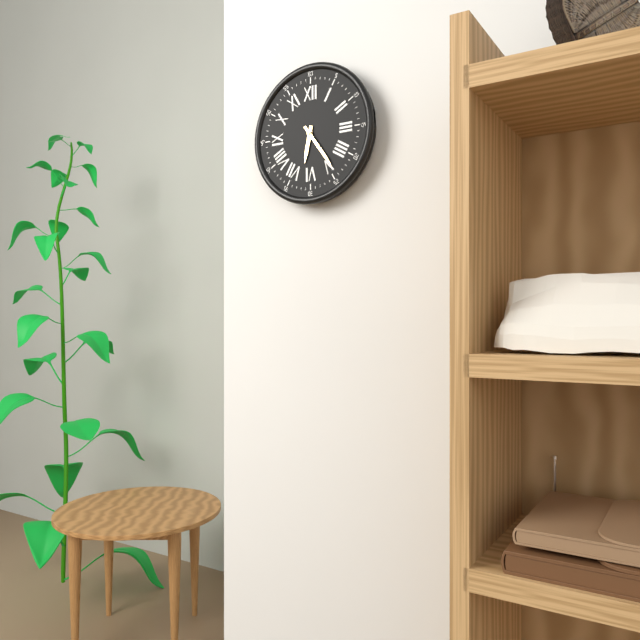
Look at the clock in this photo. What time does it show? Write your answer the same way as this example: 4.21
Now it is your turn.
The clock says 6.24
